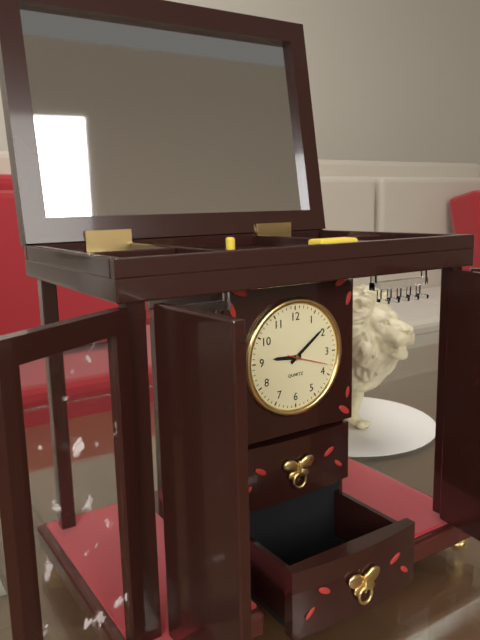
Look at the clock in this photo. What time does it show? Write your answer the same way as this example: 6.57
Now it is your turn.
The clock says 9.09
